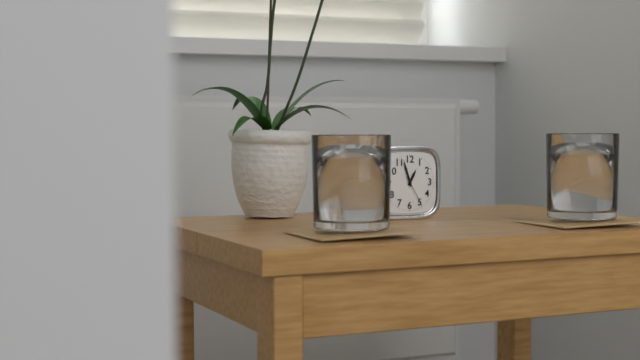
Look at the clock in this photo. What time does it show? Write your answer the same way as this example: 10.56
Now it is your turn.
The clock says 12.57
